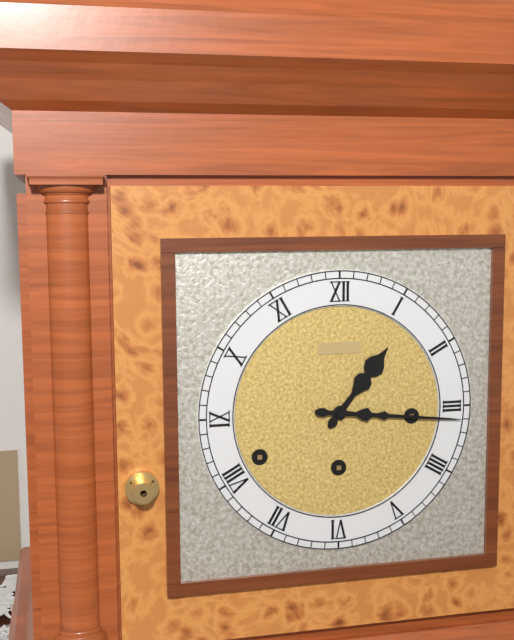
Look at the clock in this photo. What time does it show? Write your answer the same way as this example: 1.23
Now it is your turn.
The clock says 1.16
